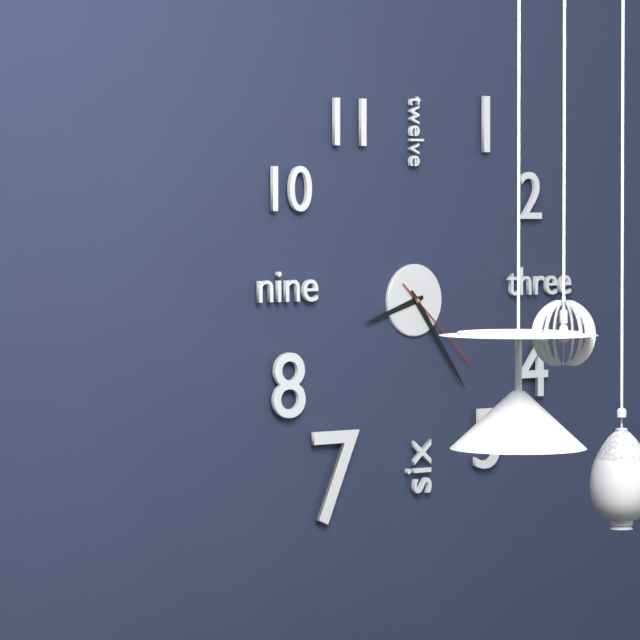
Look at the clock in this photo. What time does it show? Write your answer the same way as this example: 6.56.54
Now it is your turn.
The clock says 8.24.22
